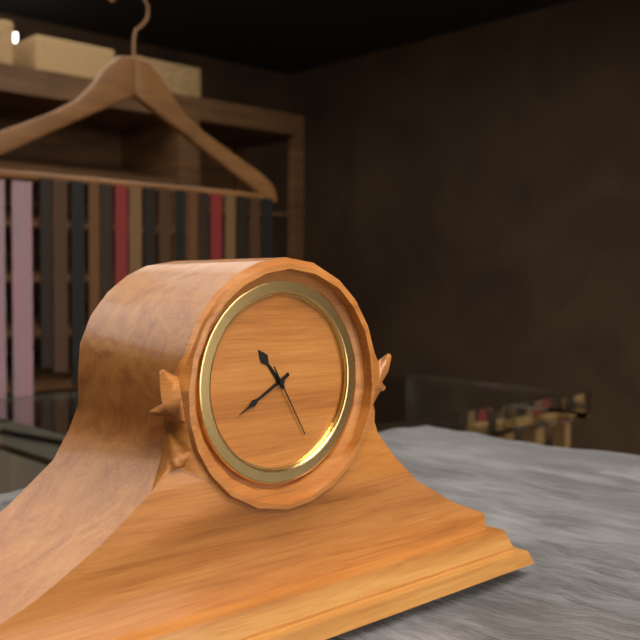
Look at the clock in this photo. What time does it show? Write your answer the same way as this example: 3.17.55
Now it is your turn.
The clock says 10.40.25
